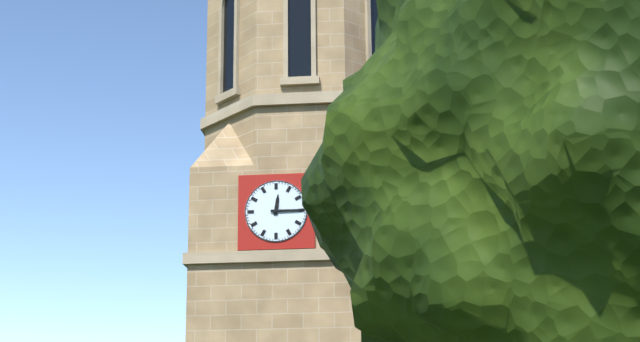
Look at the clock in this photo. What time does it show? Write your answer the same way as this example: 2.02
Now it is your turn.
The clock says 12.15
